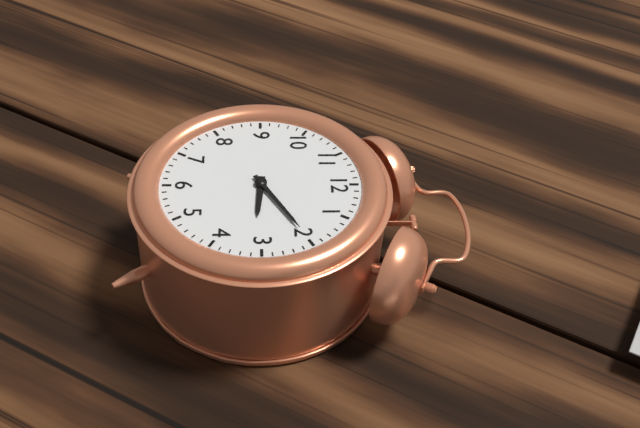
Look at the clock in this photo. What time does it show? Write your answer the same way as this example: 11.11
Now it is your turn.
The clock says 3.10
